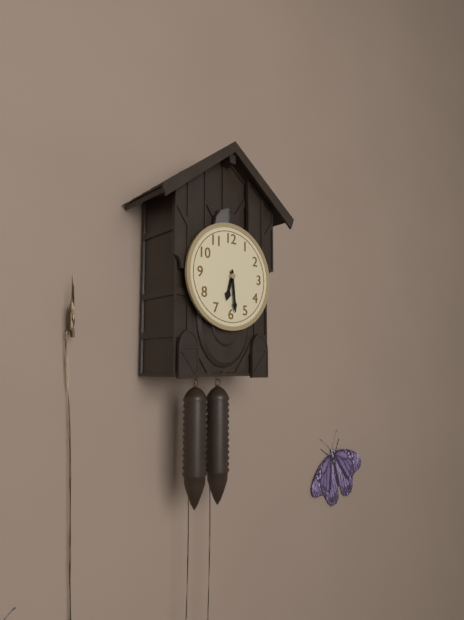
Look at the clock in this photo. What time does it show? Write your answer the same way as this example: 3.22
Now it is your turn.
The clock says 6.29
